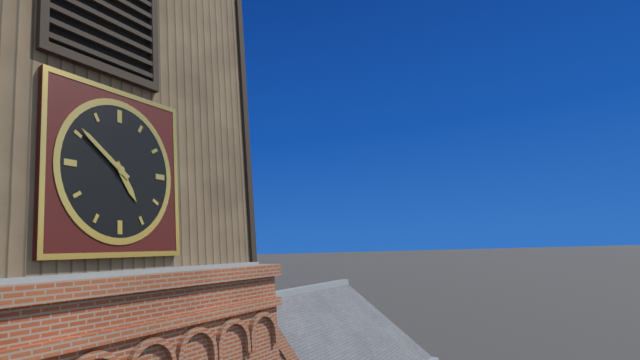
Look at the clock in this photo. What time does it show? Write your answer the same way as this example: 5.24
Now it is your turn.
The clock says 4.51
